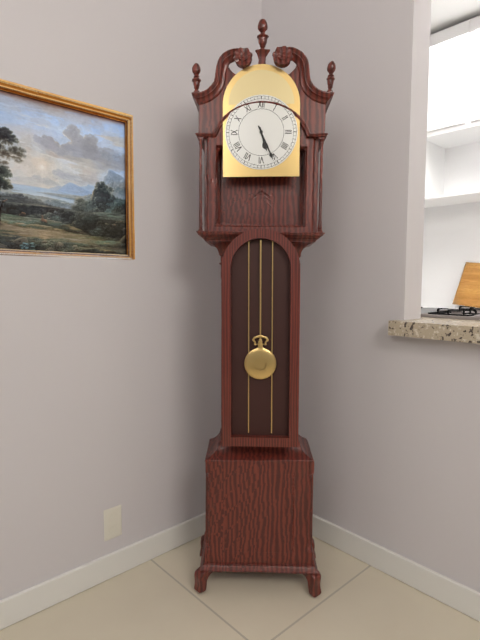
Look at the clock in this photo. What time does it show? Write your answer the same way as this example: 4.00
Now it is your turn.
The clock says 5.26
